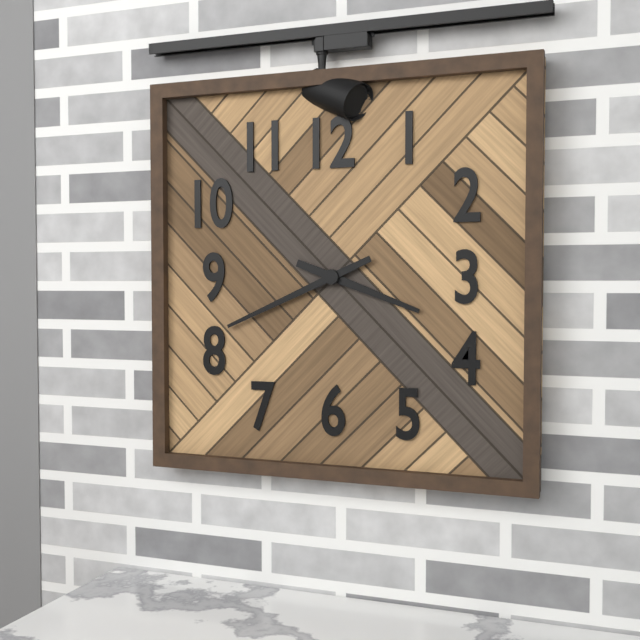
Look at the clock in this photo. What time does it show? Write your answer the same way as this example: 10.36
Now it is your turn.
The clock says 3.41
